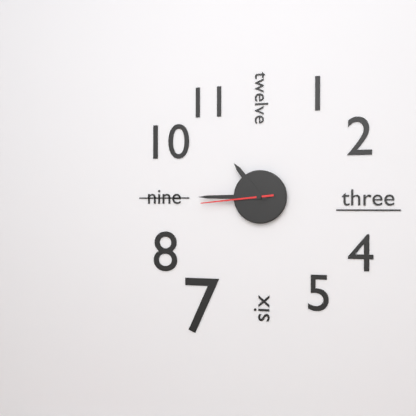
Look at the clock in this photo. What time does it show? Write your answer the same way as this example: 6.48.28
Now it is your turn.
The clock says 10.45.44
